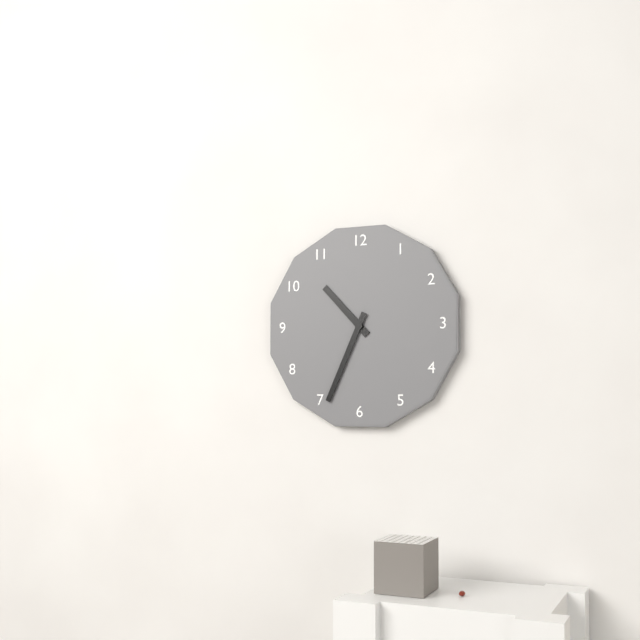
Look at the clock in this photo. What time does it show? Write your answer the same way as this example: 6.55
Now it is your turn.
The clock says 10.34
